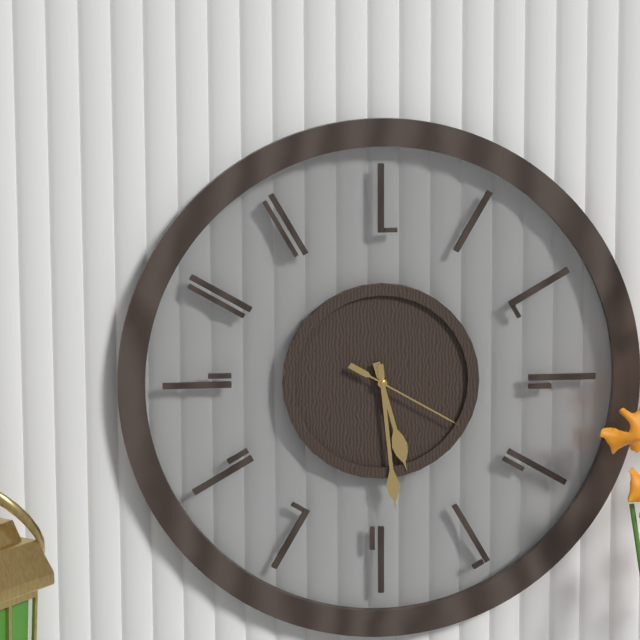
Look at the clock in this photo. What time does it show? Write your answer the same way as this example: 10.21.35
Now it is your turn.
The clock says 5.29.20
